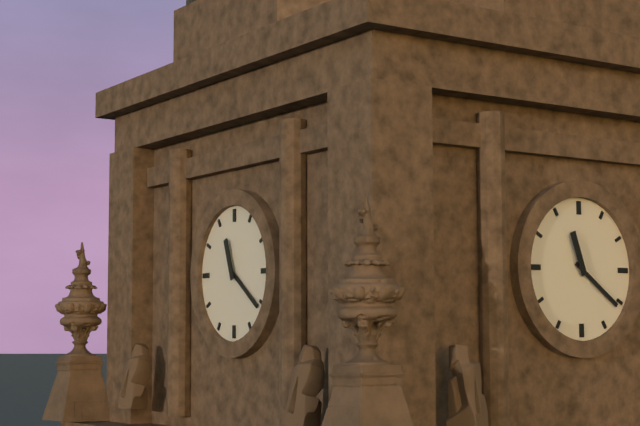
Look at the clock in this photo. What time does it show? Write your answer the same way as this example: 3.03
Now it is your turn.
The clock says 11.21
